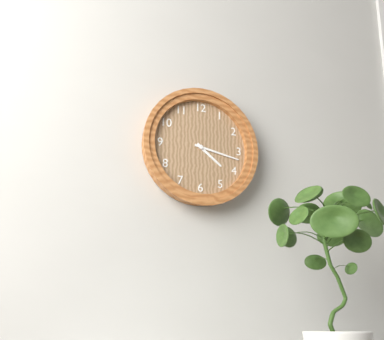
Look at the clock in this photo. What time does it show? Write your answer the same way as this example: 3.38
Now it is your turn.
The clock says 4.17
